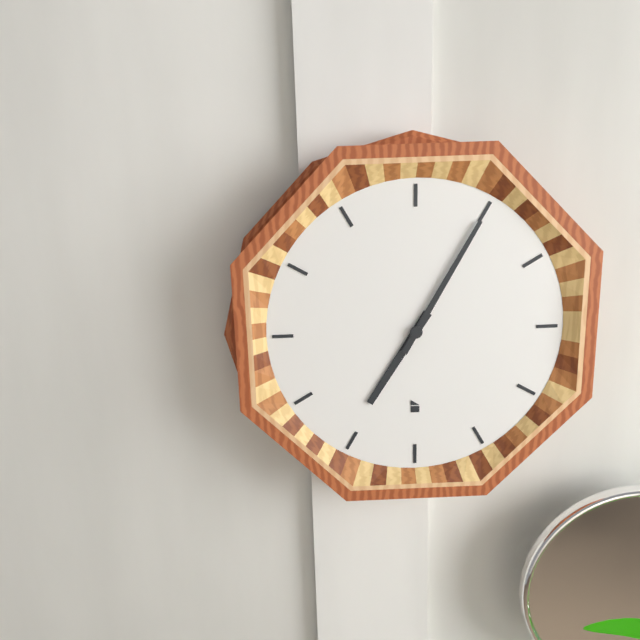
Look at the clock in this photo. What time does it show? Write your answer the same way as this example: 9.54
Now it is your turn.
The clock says 7.05
